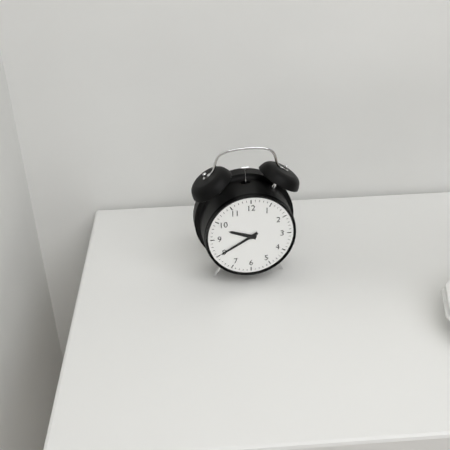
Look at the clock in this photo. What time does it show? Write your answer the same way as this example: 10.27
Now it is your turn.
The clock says 9.40
